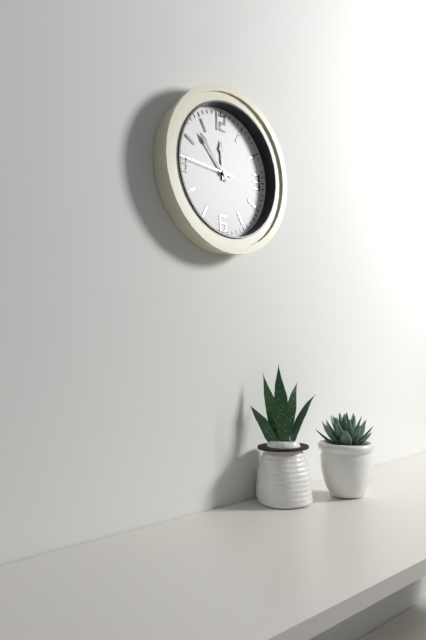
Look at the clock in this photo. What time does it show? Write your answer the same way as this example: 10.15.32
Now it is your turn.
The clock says 11.53.46
